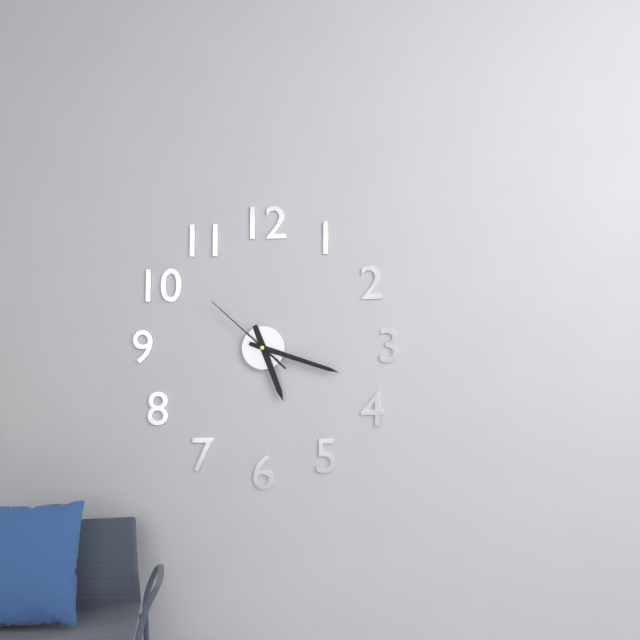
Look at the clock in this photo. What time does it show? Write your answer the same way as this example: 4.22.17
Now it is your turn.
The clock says 5.18.52
